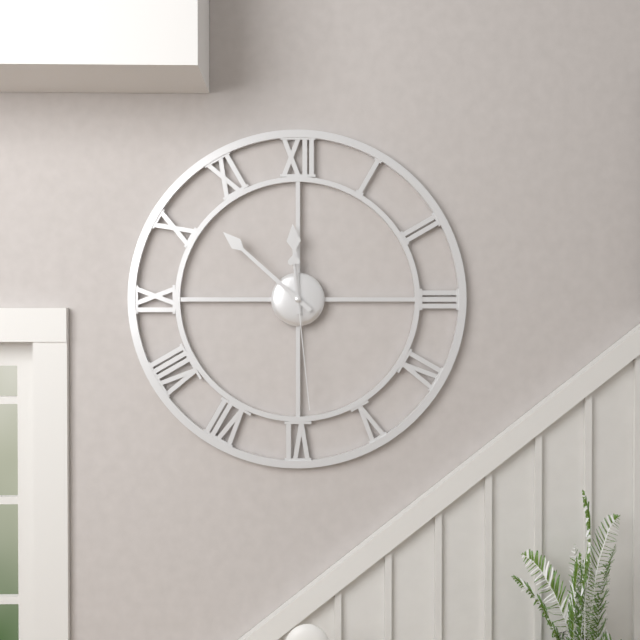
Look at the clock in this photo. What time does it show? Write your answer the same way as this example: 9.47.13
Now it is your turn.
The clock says 11.52.29
